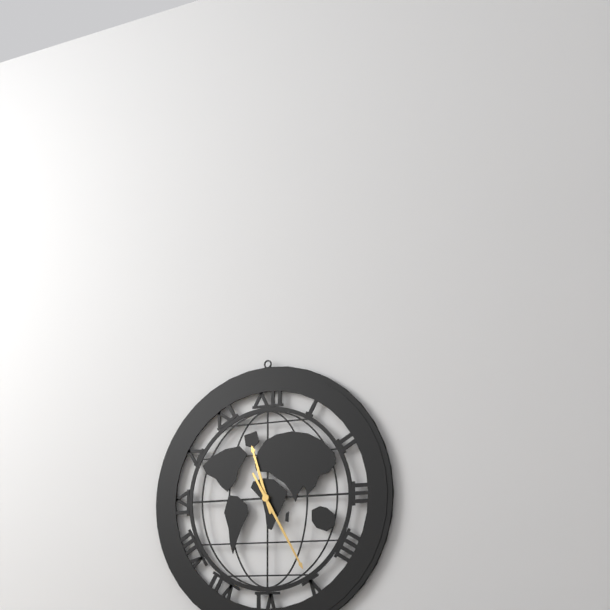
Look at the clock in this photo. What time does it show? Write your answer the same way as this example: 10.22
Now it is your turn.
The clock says 11.25
